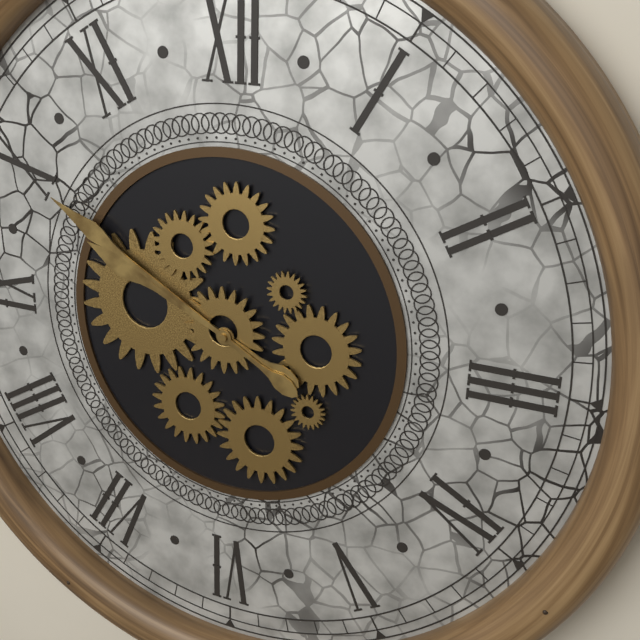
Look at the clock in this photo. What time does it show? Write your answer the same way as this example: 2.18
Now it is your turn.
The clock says 9.50
